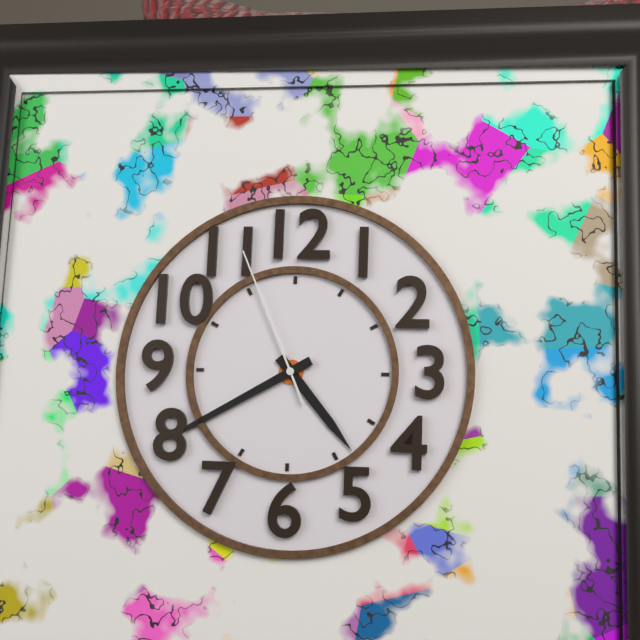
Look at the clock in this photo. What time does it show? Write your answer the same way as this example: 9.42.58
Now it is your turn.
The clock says 4.40.56
